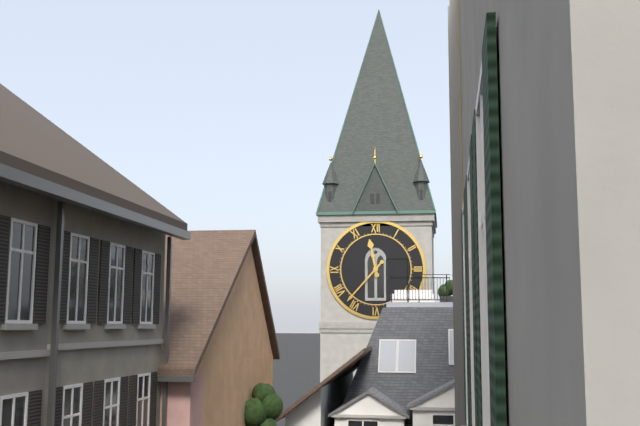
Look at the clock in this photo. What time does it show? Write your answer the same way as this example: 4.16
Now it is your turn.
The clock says 11.37
